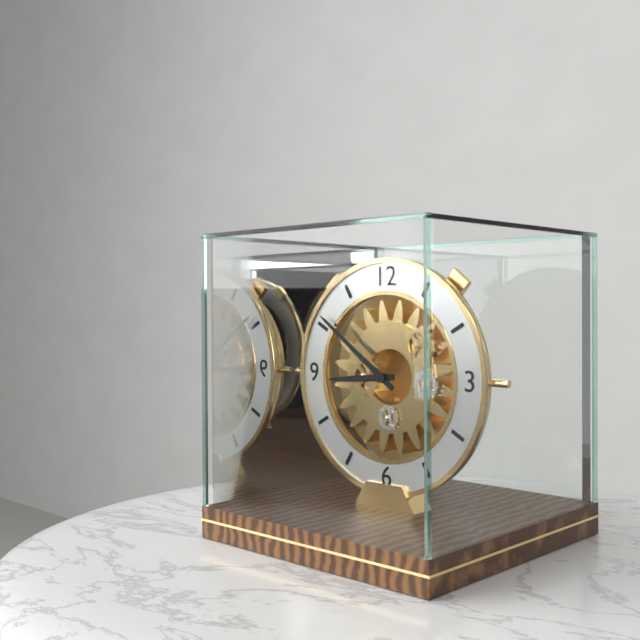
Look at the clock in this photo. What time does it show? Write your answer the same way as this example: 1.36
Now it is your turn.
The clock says 8.51
